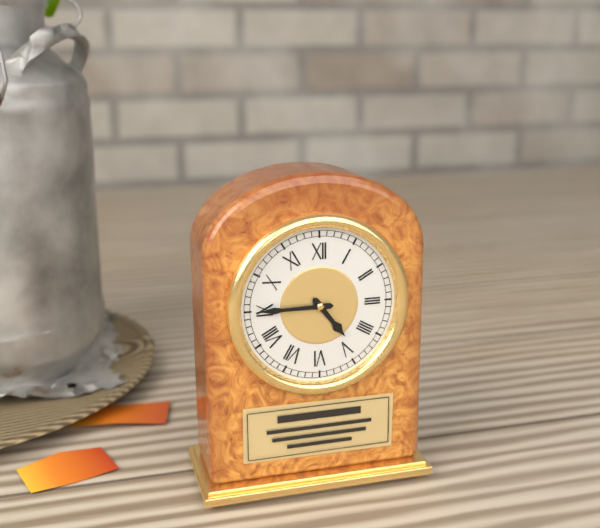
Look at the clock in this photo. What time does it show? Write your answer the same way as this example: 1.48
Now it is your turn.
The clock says 4.45
